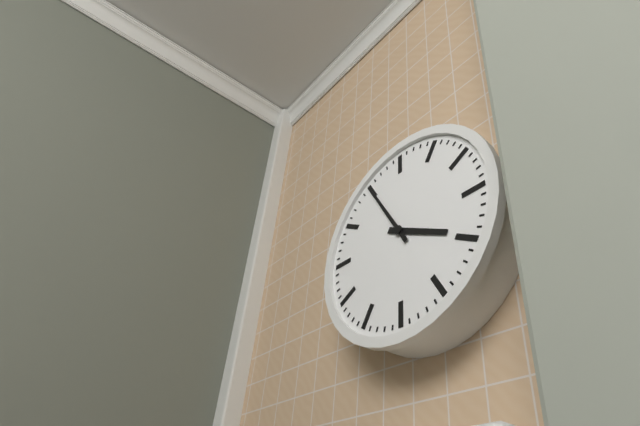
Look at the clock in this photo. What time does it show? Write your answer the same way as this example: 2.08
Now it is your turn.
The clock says 3.55
